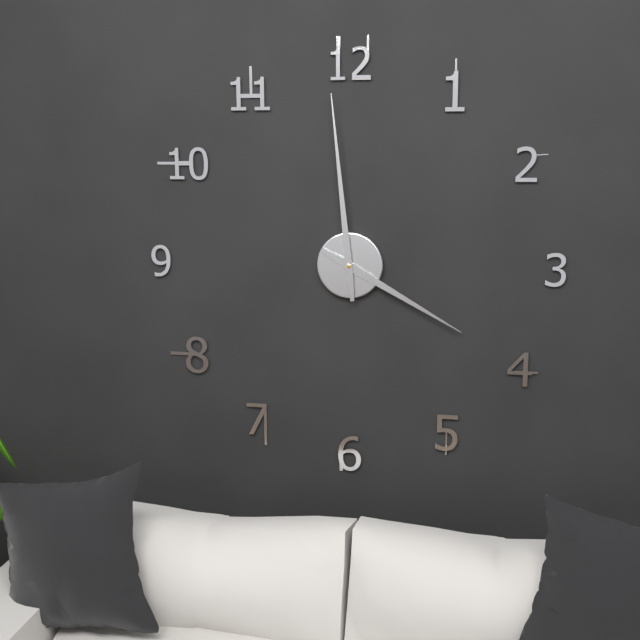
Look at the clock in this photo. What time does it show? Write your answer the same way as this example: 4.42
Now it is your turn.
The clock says 3.59
